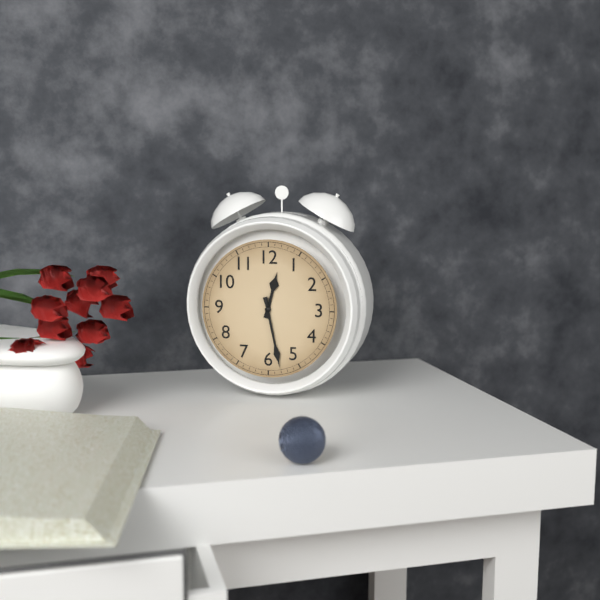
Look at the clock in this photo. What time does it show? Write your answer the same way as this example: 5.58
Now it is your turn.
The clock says 12.28
